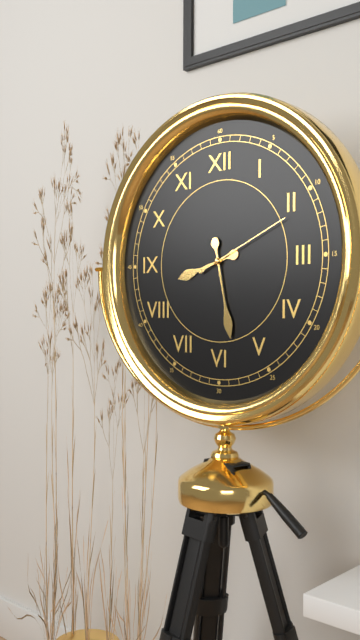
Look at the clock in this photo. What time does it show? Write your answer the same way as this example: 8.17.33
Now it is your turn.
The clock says 8.28.11
